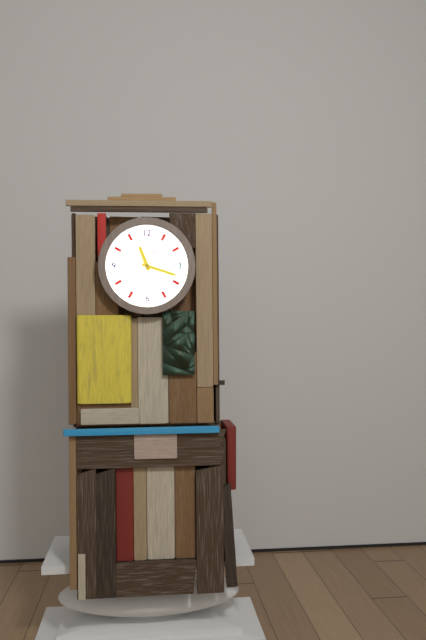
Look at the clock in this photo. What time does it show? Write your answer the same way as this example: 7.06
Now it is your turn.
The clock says 11.18
